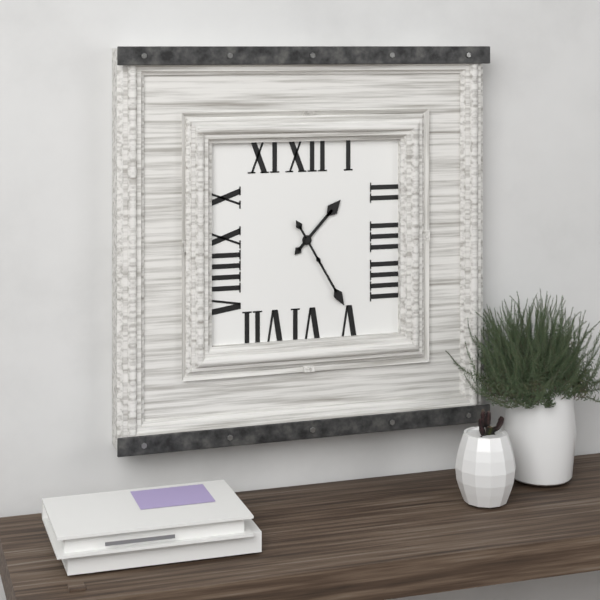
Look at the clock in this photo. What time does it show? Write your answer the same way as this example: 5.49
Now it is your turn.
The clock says 1.25
